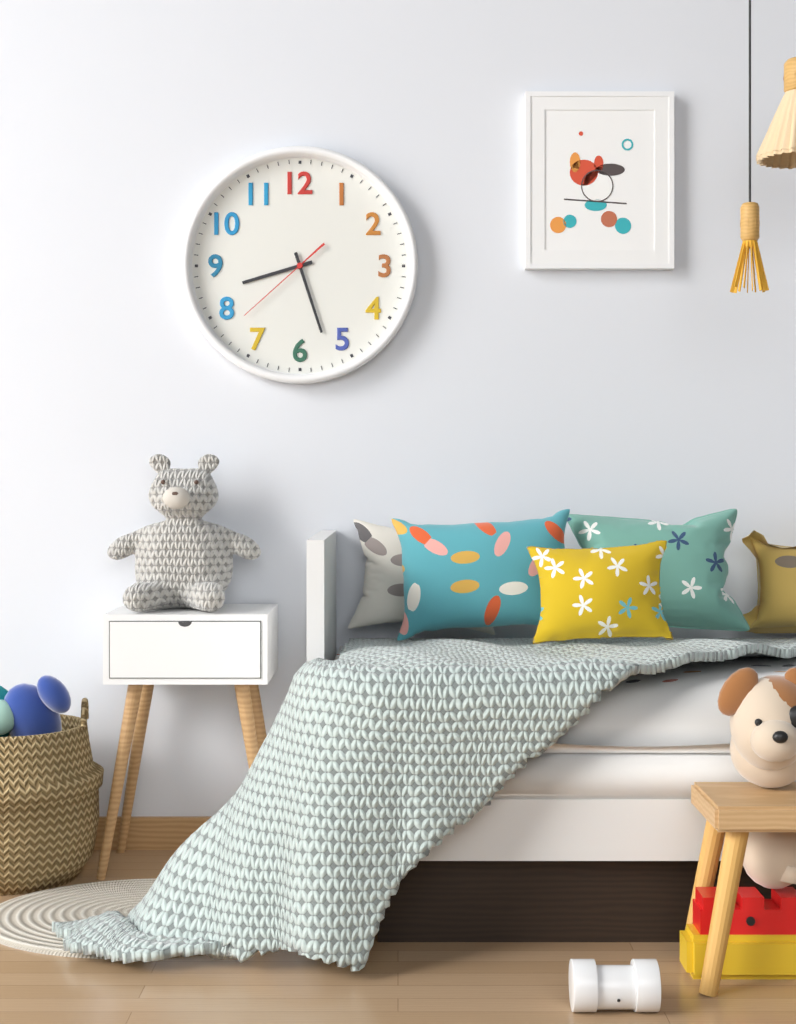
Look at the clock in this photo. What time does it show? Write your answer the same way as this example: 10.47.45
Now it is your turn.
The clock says 8.27.38
